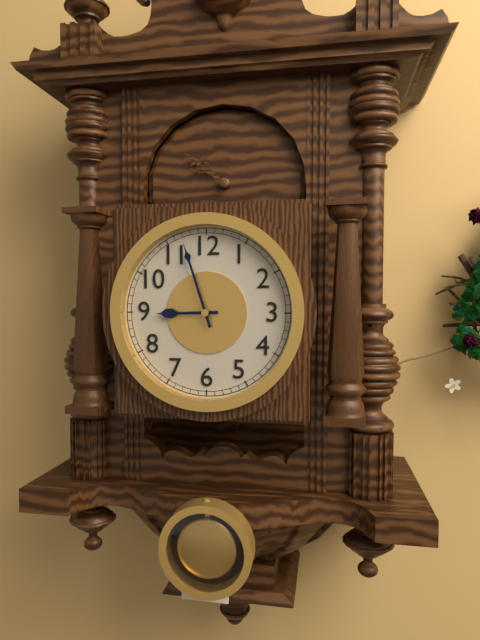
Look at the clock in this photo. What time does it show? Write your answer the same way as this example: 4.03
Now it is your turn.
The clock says 8.57
